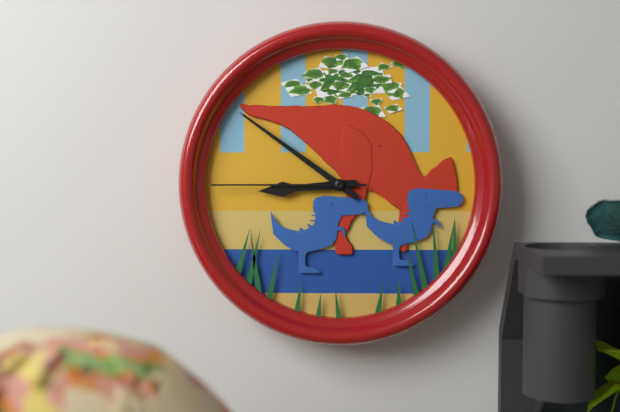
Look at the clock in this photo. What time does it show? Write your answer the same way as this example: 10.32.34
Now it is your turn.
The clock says 8.51.45
